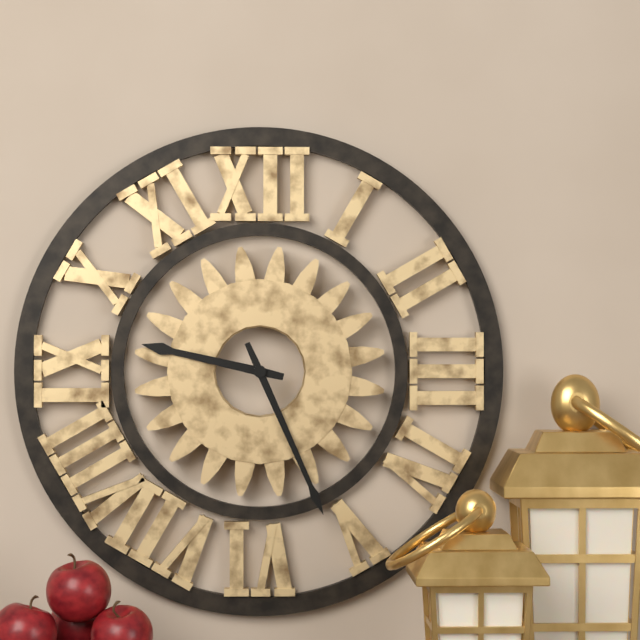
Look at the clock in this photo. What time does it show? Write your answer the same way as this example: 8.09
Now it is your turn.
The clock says 9.26
